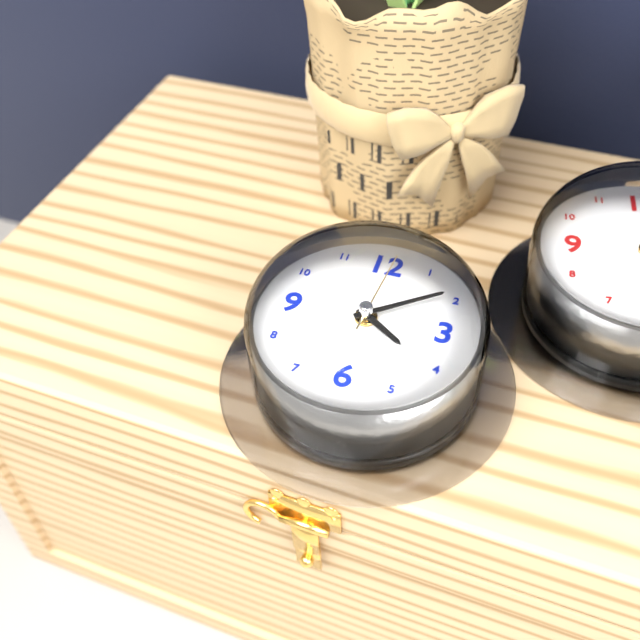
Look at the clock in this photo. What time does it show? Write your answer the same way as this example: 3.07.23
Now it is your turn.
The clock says 4.09.01
